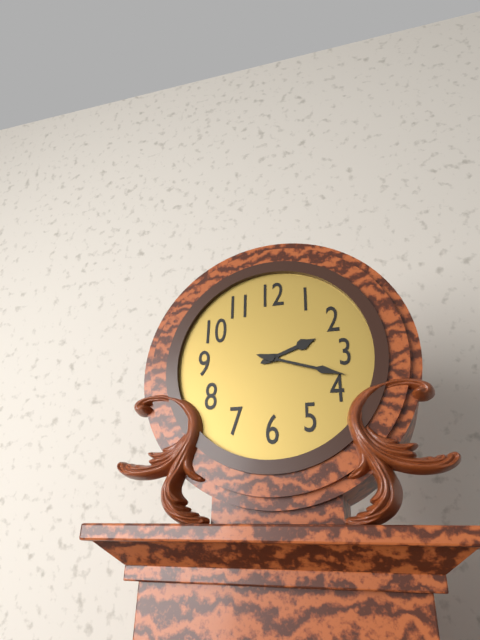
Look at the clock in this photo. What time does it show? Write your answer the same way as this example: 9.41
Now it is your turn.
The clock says 2.18
